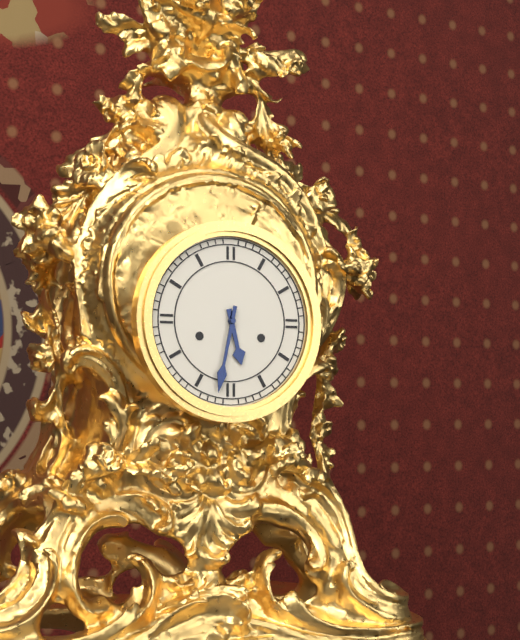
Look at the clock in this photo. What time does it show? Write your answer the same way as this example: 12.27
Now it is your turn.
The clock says 5.32
